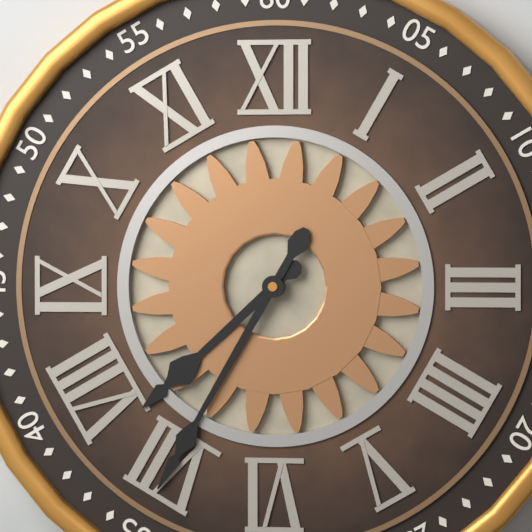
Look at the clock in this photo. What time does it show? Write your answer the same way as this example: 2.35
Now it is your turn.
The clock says 7.35
